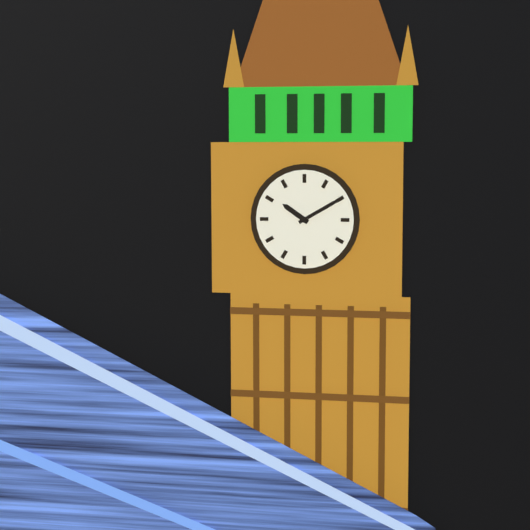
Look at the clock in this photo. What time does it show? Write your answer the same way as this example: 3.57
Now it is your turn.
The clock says 10.10
